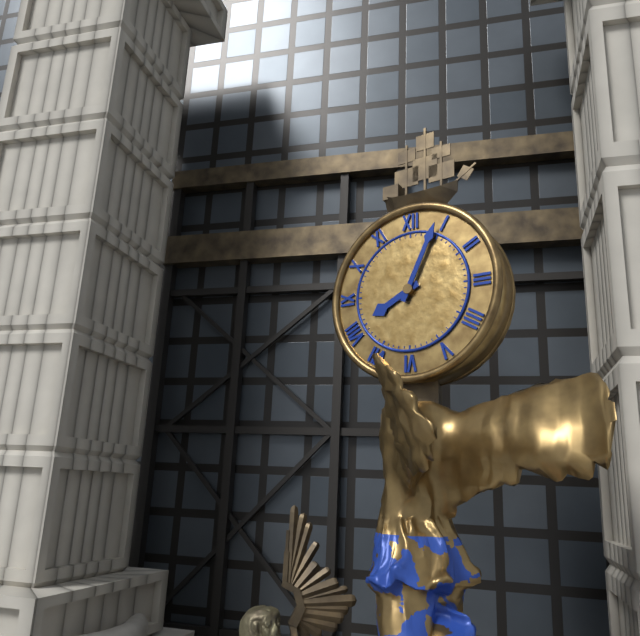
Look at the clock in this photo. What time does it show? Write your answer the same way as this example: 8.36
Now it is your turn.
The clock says 8.04
